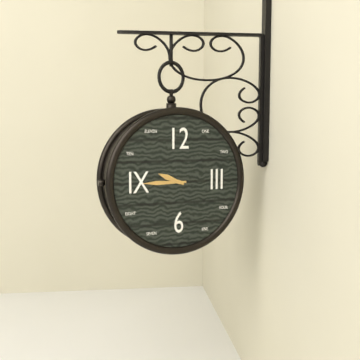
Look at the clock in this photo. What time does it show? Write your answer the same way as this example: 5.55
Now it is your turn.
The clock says 9.45
